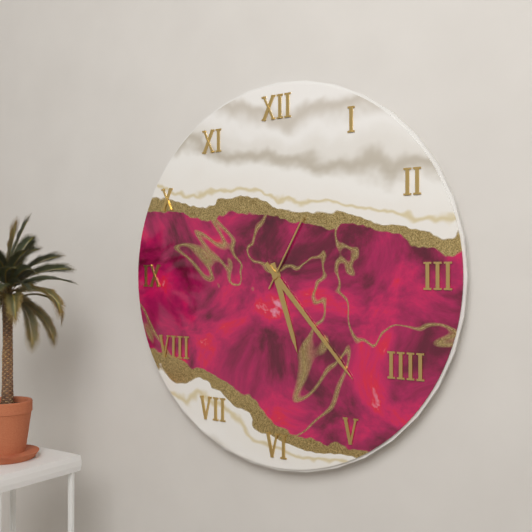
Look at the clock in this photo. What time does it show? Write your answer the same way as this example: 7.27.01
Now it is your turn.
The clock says 5.23.05
